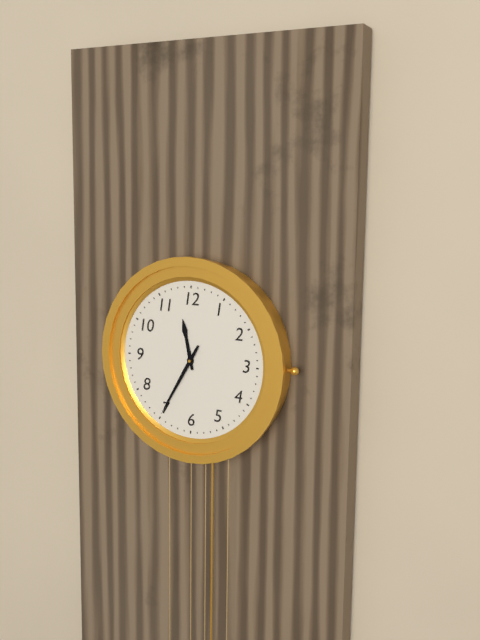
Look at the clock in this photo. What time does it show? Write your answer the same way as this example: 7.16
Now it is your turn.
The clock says 11.35
